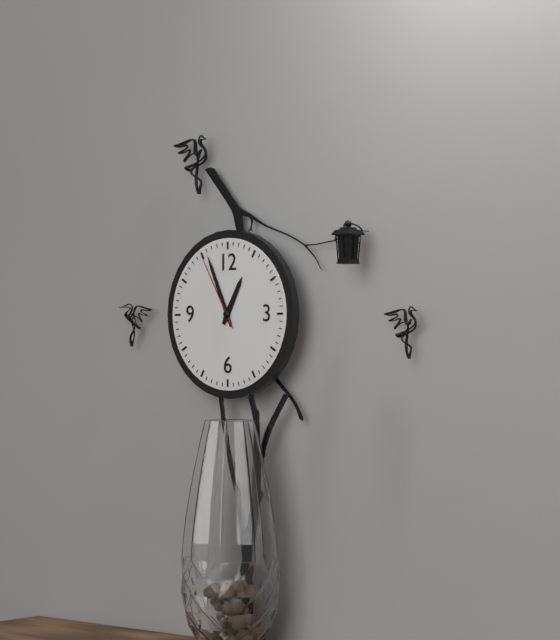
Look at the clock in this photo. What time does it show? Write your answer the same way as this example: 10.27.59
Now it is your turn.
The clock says 12.56.55
